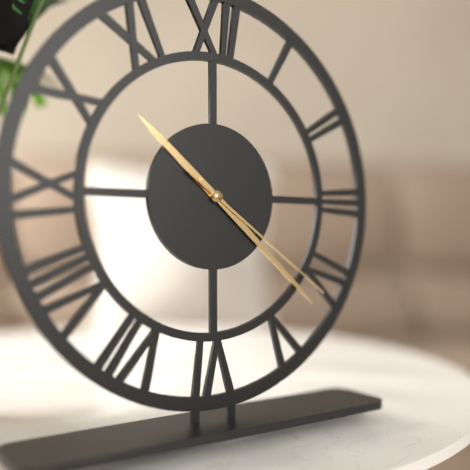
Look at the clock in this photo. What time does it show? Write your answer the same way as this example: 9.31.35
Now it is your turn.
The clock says 10.22.21
